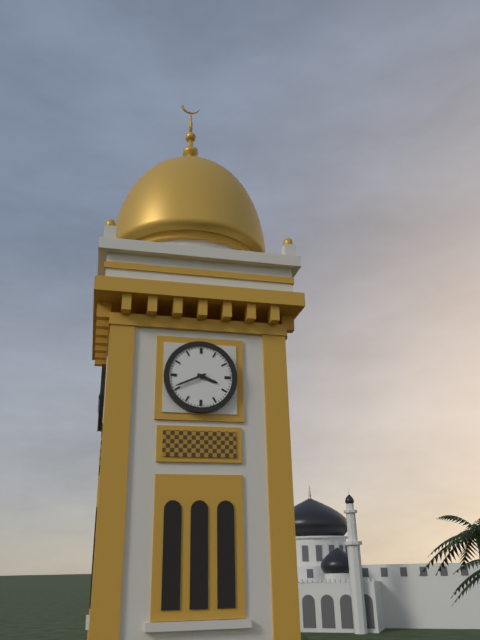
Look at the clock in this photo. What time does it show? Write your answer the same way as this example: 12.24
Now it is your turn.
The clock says 3.41
